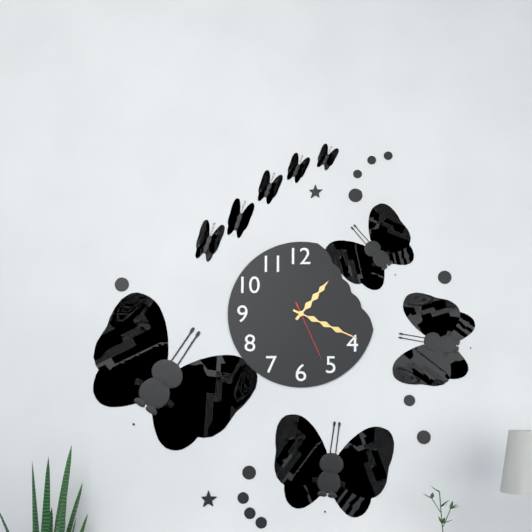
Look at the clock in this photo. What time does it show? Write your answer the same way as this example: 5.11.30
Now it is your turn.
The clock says 1.19.26
